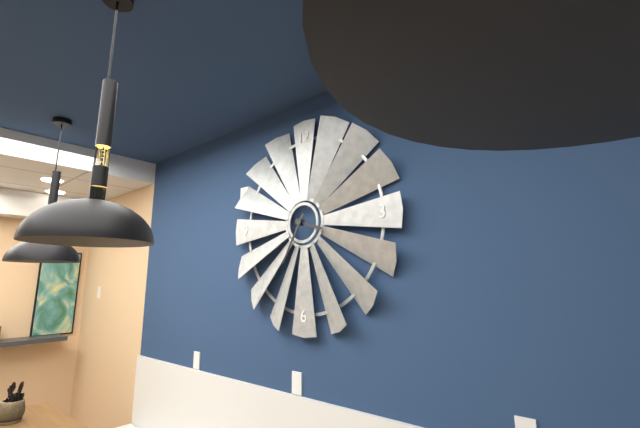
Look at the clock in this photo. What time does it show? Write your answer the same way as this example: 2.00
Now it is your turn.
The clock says 3.35
